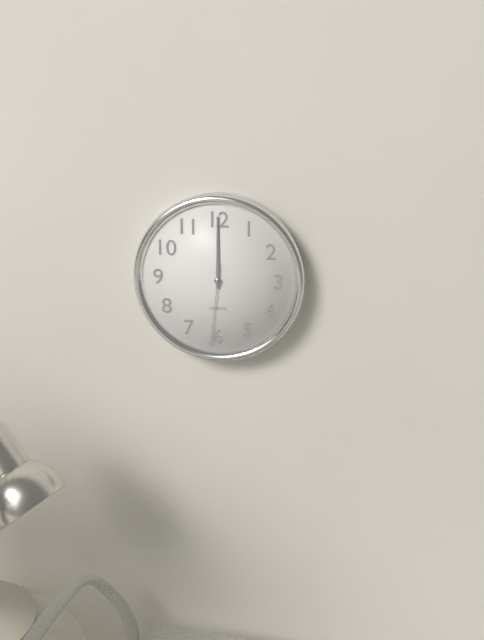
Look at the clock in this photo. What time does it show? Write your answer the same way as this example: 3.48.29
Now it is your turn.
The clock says 12.00.31
